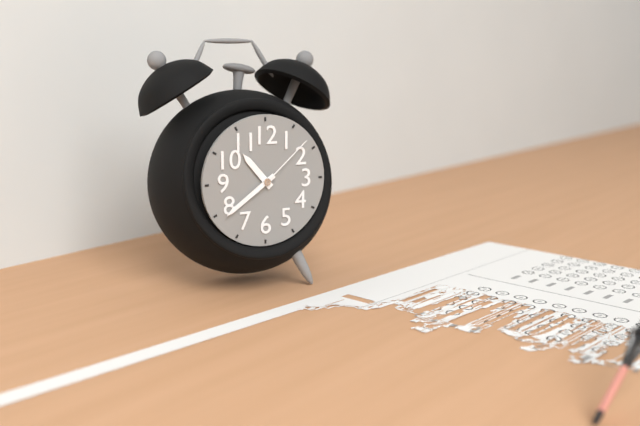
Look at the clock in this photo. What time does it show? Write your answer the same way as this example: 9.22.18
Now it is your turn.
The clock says 10.39.08
